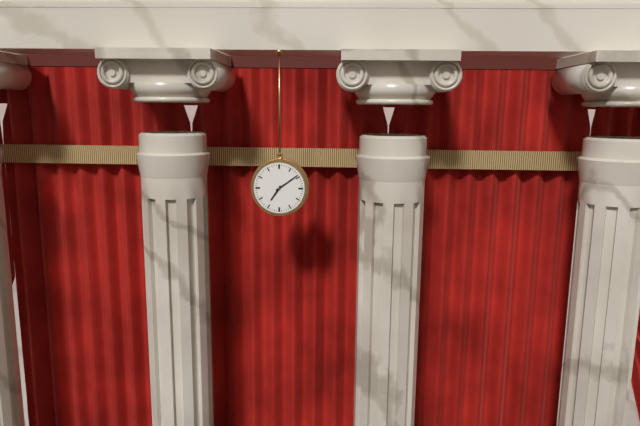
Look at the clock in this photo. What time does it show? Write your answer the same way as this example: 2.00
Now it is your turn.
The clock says 7.09
